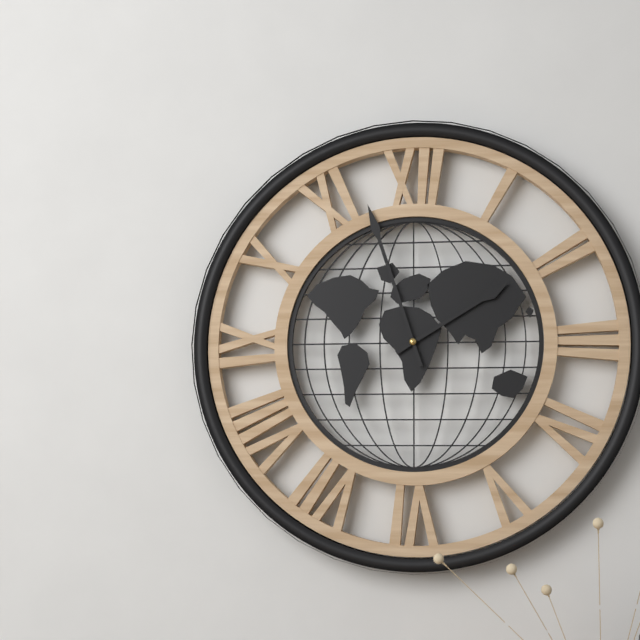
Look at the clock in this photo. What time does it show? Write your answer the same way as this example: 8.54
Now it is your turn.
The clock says 1.57
